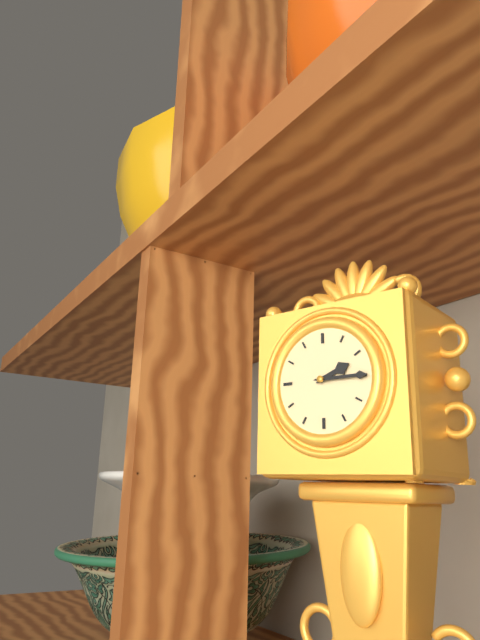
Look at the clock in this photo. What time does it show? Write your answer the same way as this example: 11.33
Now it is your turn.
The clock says 2.15
